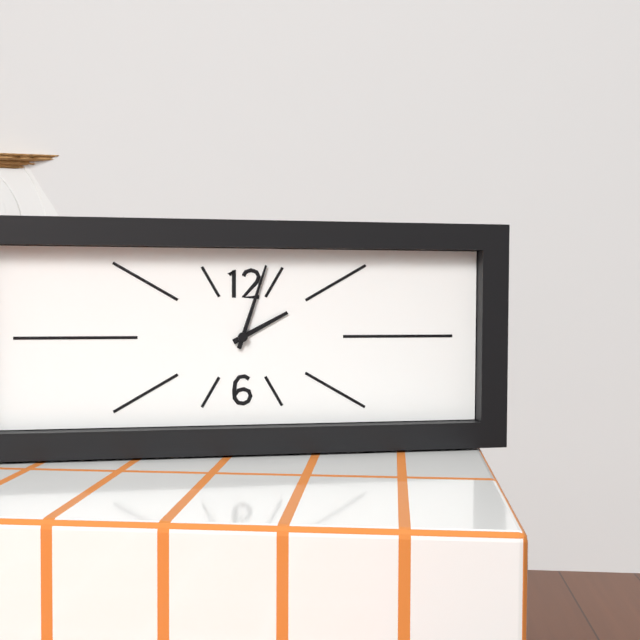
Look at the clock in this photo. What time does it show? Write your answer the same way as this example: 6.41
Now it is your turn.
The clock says 2.03
